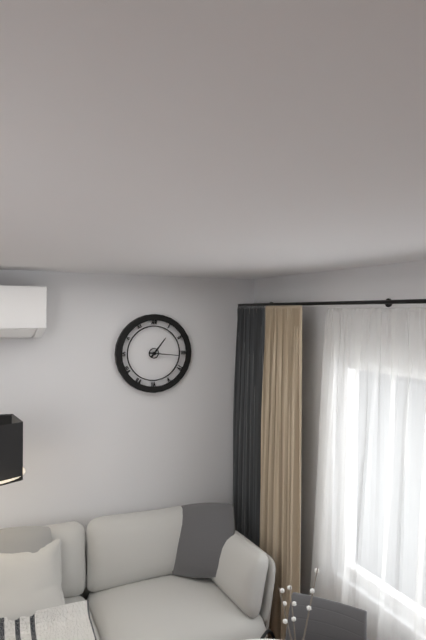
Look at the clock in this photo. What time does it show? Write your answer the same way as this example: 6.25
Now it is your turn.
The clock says 1.16
